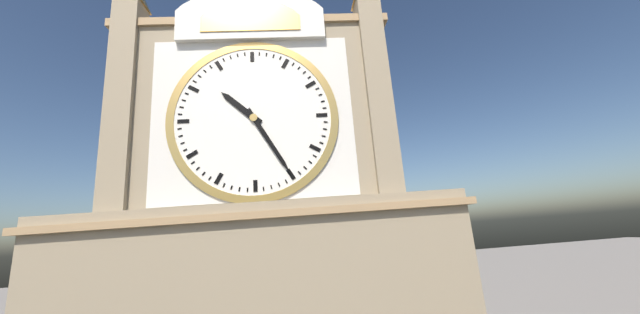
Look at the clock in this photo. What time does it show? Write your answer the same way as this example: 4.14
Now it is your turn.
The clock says 10.25
